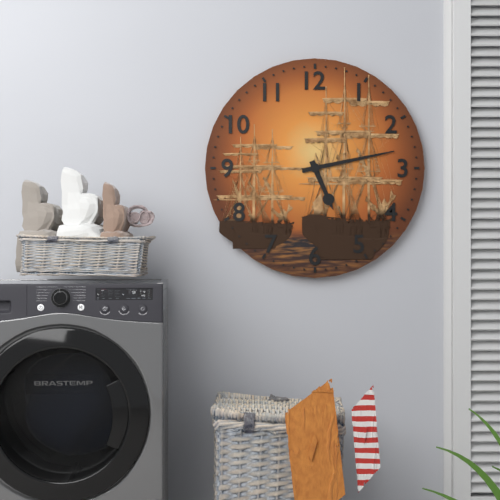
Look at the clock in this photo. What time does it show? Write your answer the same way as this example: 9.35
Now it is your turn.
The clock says 5.13
